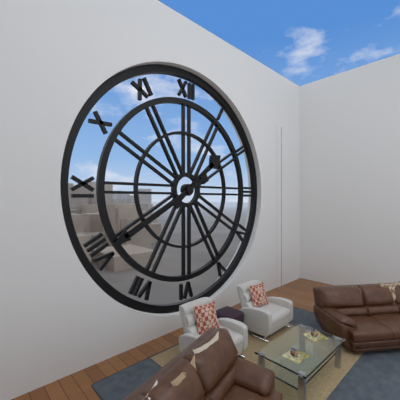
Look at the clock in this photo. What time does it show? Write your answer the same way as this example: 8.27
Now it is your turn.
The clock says 1.40
